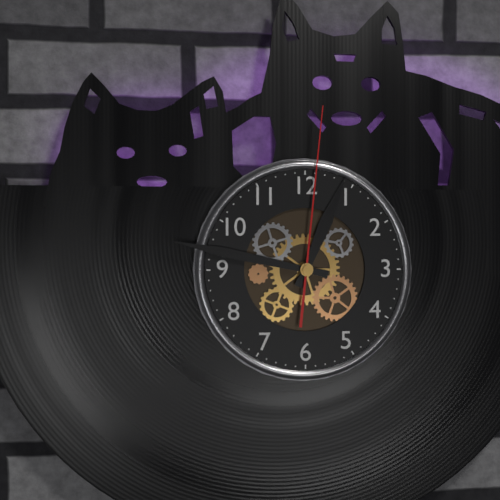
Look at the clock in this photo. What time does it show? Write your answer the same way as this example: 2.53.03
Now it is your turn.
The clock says 12.47.01
